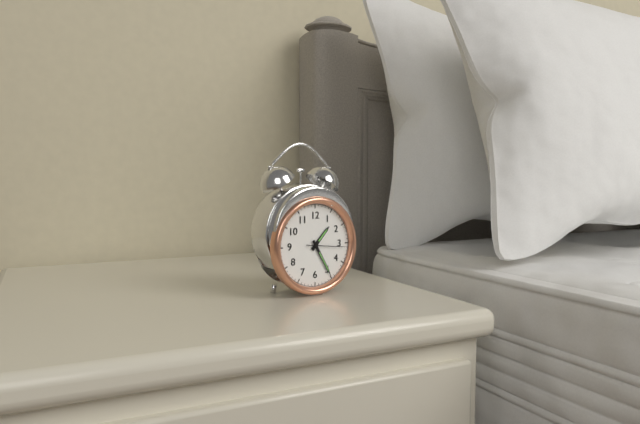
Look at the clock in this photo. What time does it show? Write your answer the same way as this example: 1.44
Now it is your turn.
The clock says 1.25
